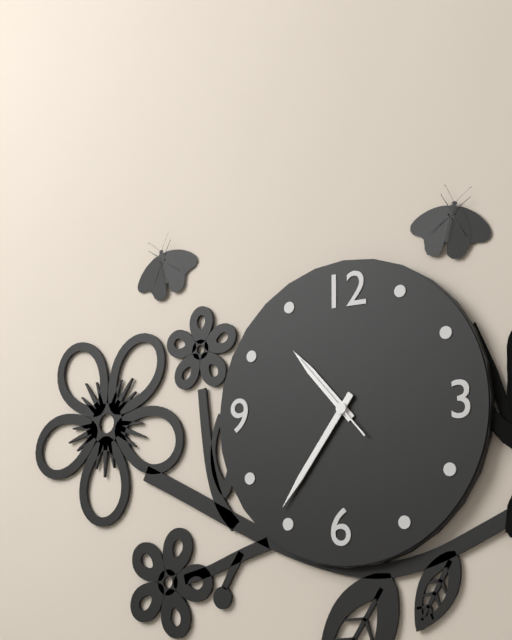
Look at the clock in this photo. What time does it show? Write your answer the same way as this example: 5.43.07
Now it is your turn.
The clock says 10.36.53
